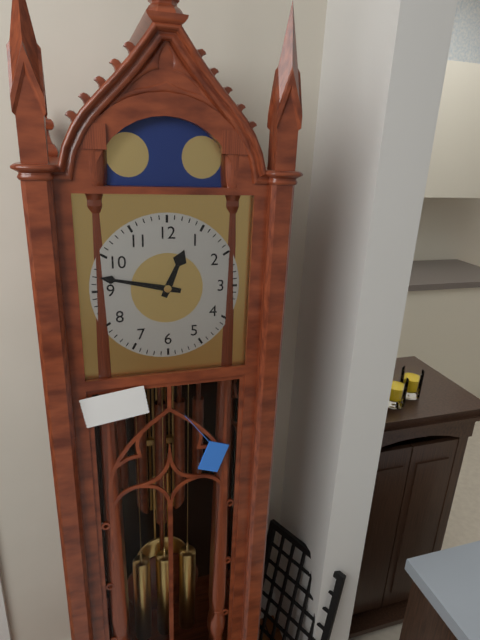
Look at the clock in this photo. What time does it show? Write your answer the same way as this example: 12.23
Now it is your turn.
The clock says 12.47
